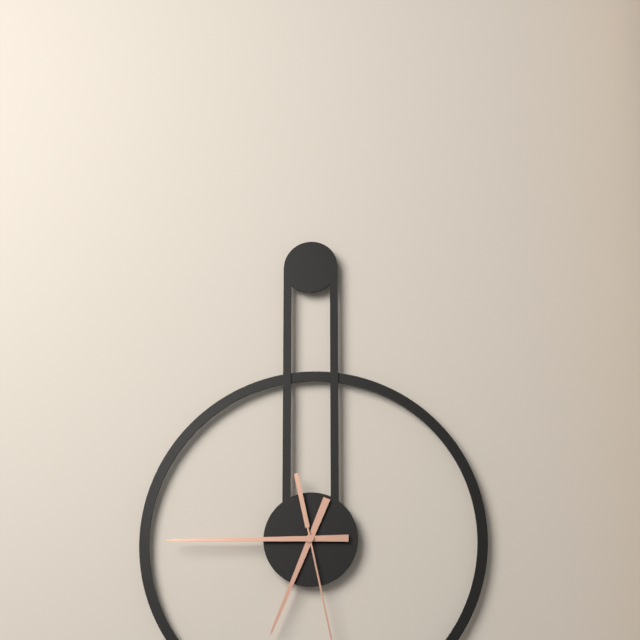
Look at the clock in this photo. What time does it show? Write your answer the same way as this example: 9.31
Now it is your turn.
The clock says 6.45
